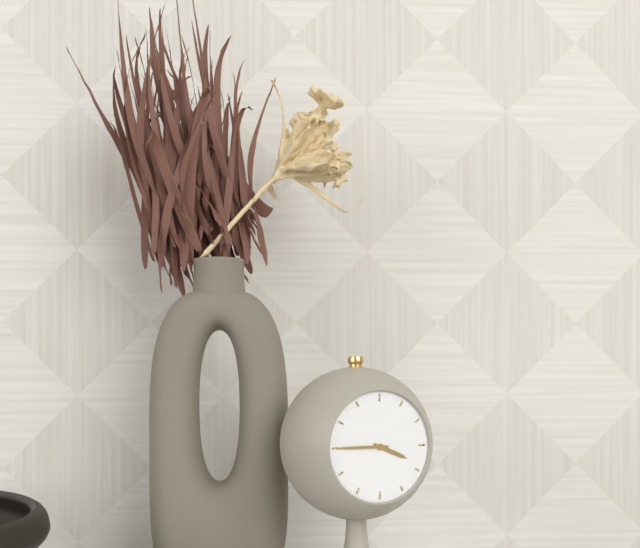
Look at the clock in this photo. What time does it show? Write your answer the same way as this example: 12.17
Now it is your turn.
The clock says 3.45
